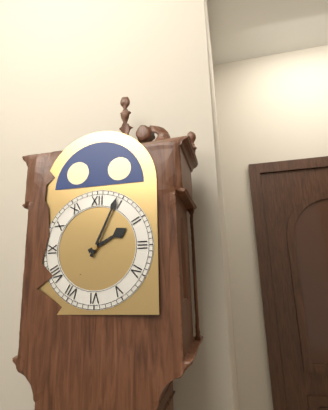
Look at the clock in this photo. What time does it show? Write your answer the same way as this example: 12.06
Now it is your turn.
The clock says 2.04
